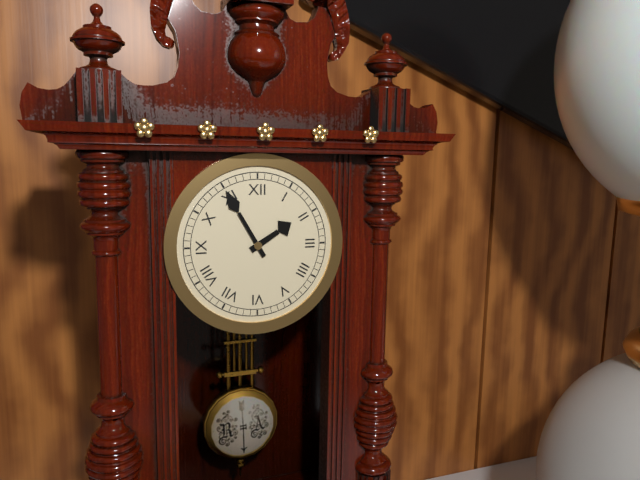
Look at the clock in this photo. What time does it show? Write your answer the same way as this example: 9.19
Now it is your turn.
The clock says 1.55
